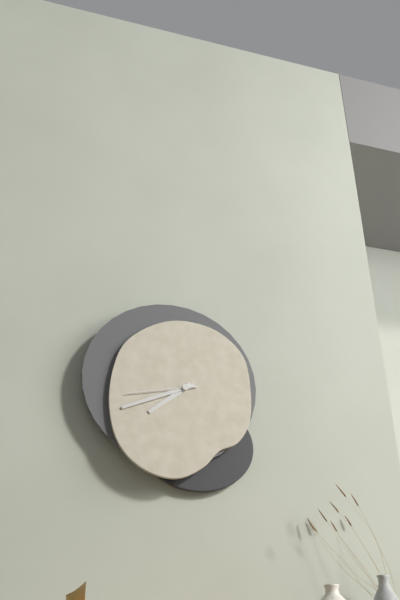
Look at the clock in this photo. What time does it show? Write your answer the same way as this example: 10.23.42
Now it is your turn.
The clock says 7.41.43
